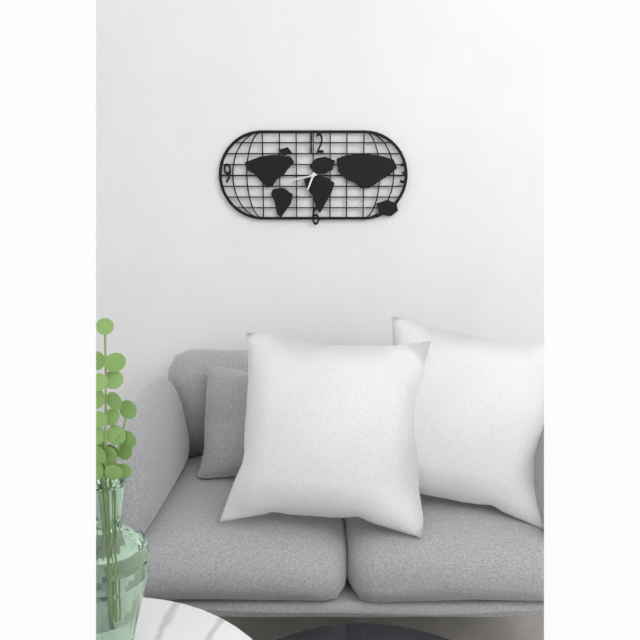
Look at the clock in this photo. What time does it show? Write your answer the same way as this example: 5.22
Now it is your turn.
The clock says 6.43
